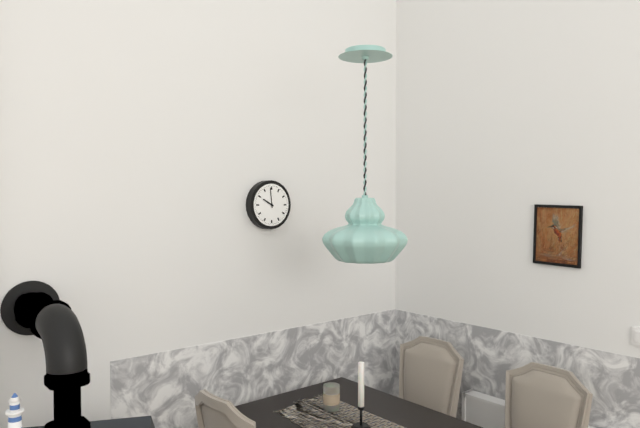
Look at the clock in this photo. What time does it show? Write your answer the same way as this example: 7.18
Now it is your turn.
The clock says 9.59
